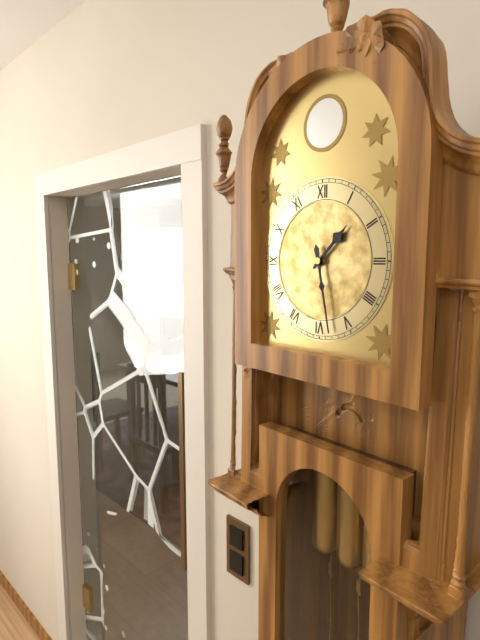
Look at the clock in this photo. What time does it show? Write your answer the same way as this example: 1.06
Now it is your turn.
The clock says 1.28
